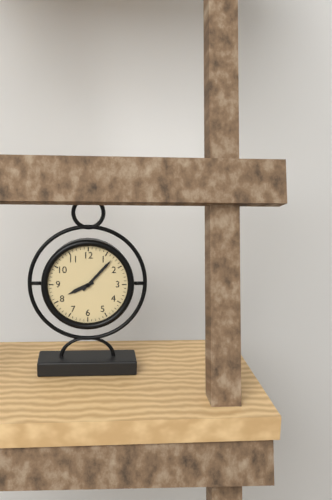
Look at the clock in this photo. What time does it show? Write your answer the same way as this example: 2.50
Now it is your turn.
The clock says 8.07
